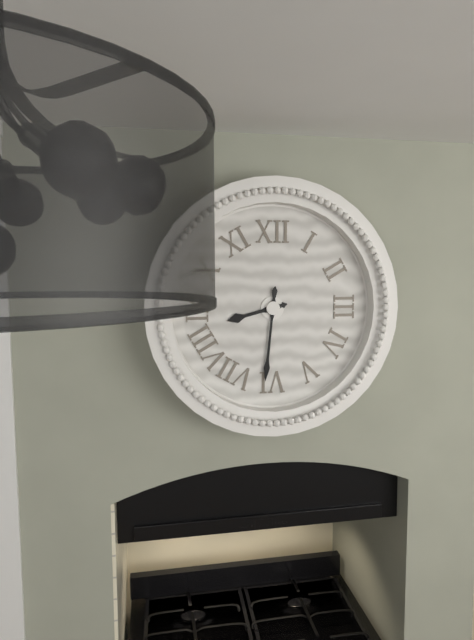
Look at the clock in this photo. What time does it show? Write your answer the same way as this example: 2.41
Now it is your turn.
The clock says 8.31
